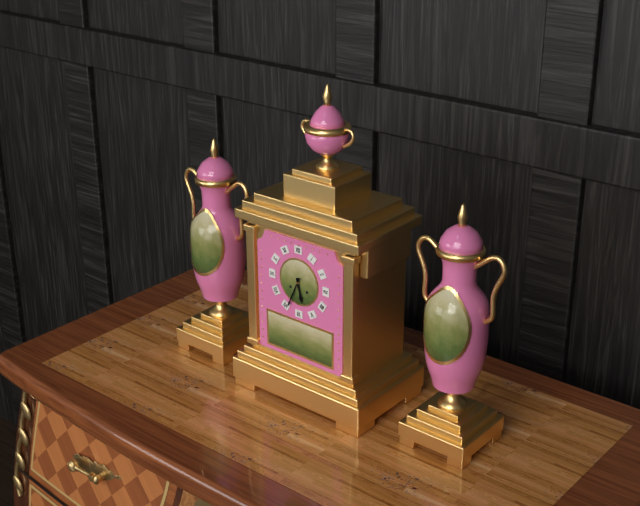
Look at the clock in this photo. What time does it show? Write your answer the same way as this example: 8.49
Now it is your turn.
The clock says 5.34
